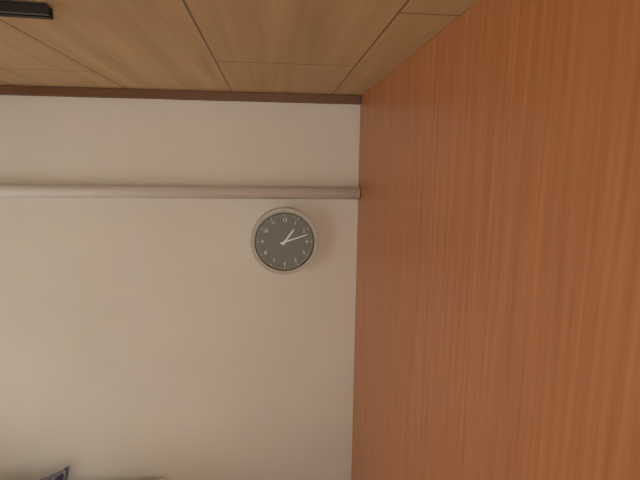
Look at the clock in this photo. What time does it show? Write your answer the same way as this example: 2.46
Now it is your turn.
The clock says 1.12
